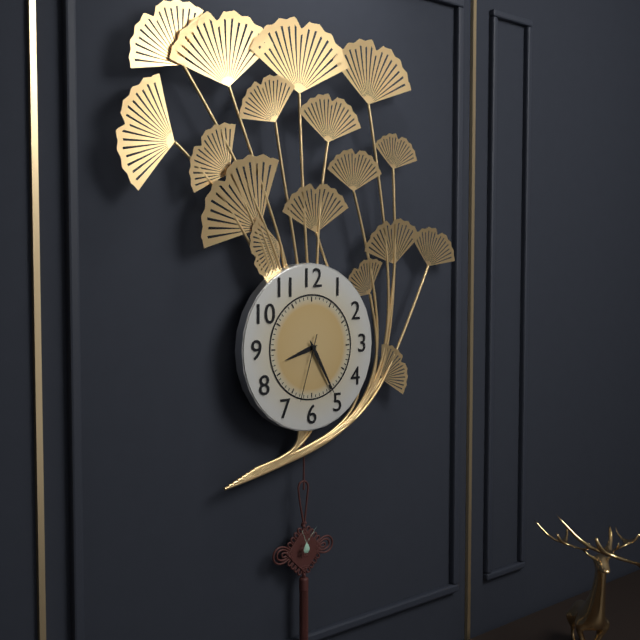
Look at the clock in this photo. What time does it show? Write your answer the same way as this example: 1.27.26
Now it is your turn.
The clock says 8.25.33
